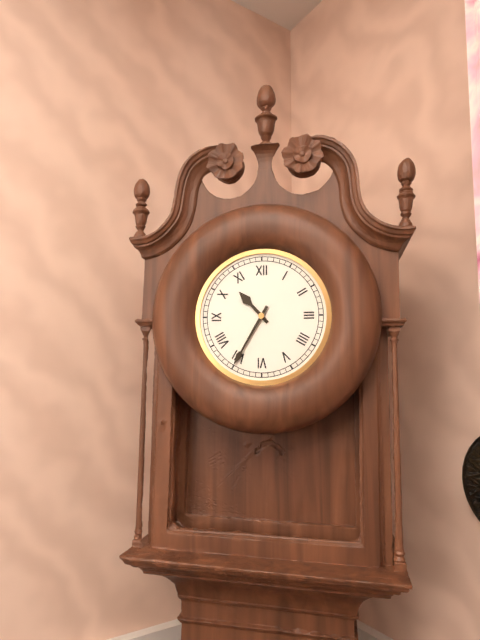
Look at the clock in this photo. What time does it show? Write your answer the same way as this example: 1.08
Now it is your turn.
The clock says 10.35
